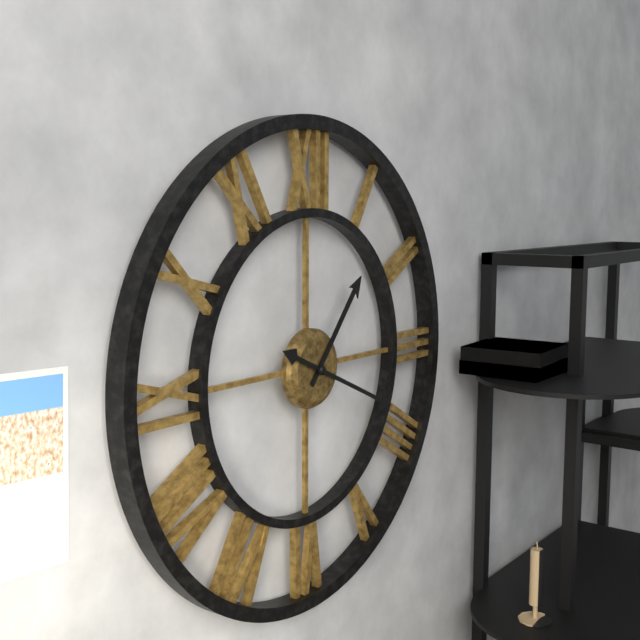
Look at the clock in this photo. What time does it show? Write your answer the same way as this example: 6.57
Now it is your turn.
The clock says 1.19
